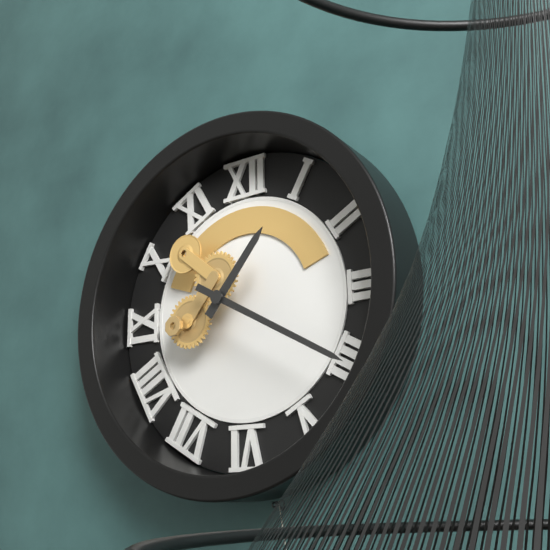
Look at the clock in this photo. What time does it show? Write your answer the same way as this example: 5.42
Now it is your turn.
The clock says 1.20
